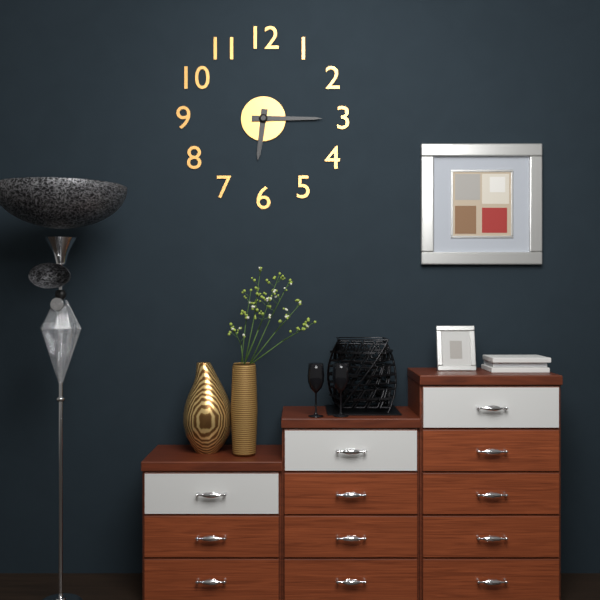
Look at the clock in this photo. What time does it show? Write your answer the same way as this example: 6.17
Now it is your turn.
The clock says 6.15
